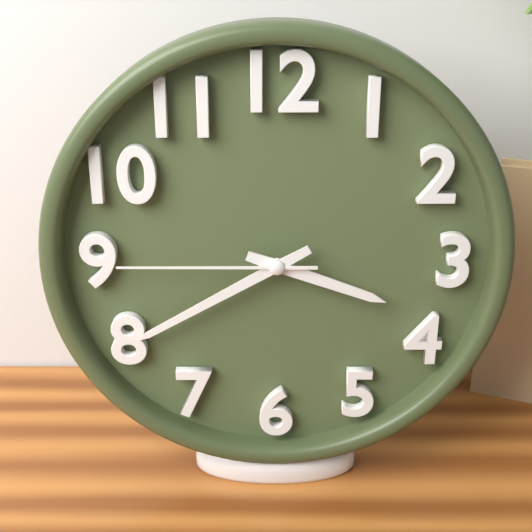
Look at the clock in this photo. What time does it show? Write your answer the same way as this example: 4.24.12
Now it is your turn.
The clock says 3.40.45
